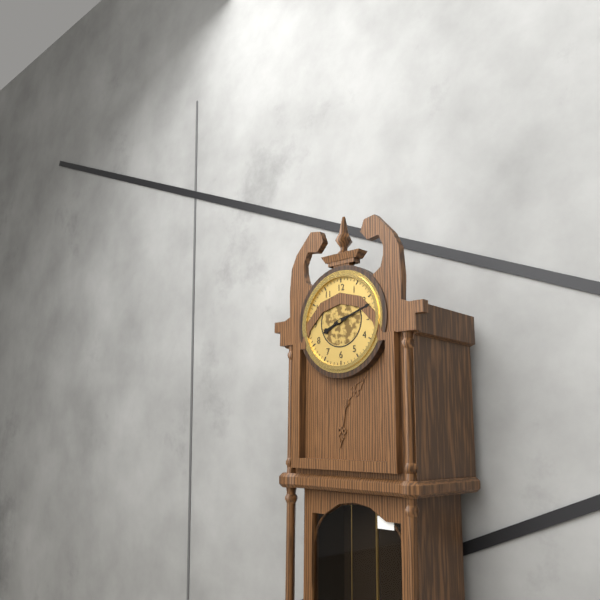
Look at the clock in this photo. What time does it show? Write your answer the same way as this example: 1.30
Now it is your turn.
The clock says 8.12
